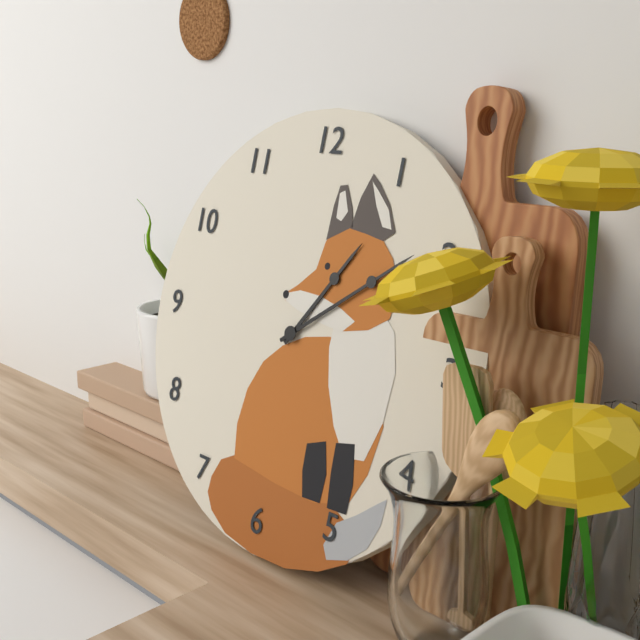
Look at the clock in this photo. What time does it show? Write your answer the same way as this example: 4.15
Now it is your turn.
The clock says 1.09
